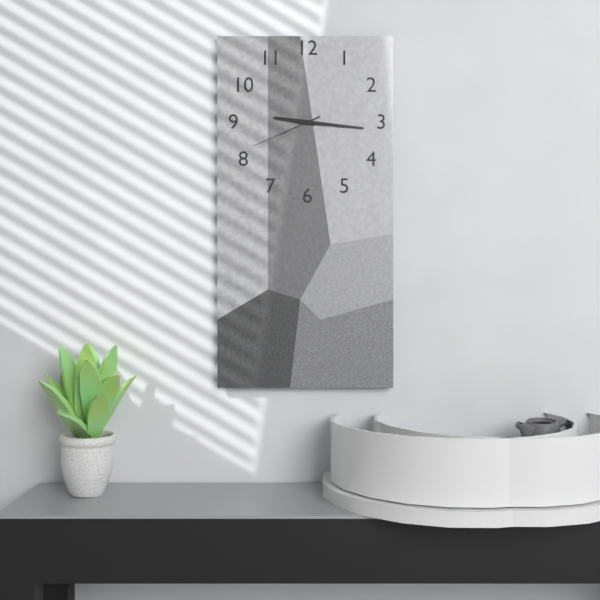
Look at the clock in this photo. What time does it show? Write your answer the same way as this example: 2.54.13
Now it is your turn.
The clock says 9.16.41
